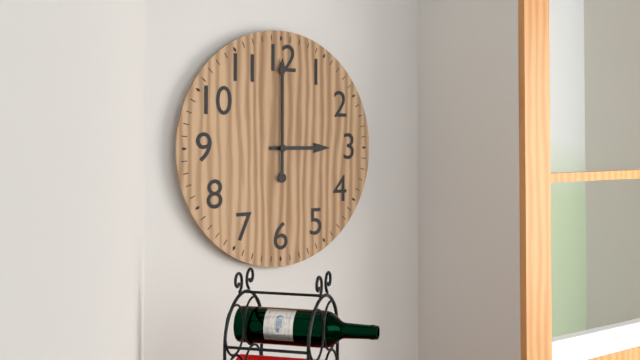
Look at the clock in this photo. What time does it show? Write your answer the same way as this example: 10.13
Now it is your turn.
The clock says 3.00
